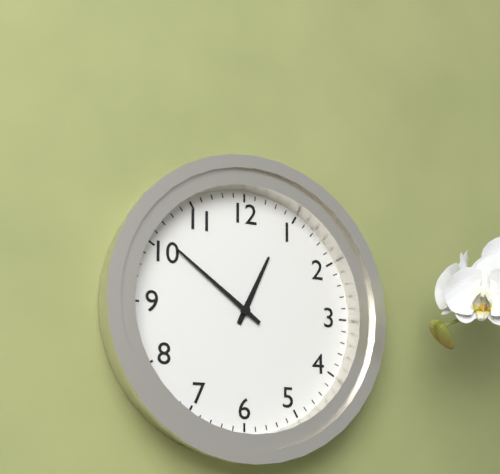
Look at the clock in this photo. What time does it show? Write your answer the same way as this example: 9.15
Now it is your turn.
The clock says 12.51
